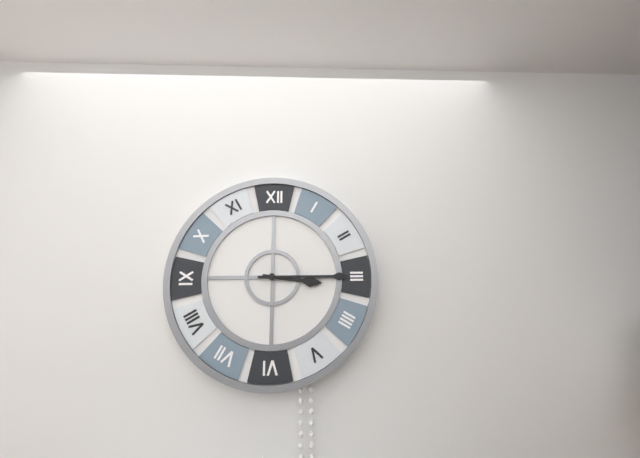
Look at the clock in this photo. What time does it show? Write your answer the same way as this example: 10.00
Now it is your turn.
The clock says 3.15
